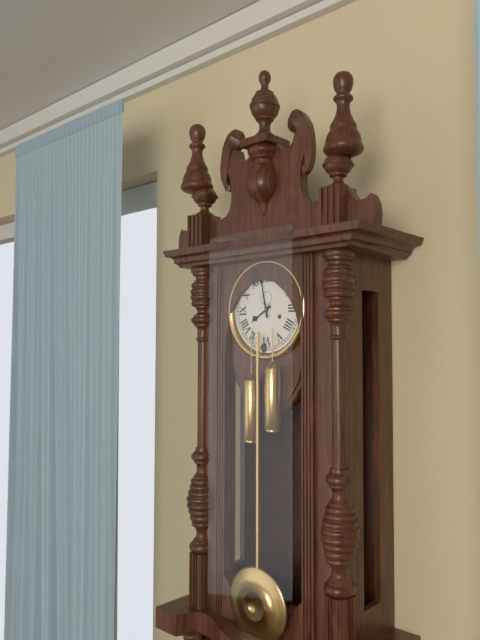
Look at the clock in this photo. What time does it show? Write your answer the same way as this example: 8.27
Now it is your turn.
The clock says 7.58
